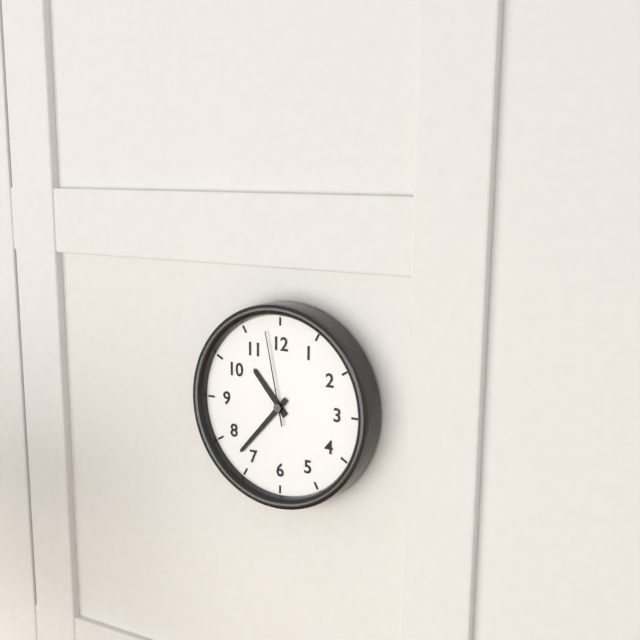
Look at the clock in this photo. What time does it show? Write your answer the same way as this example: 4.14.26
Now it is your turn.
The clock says 10.37.58
